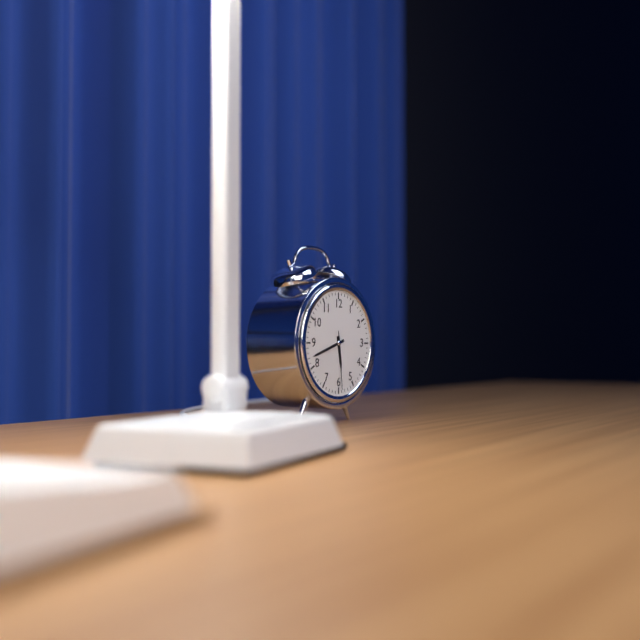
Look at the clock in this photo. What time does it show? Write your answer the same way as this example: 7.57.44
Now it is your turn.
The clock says 5.42.29
